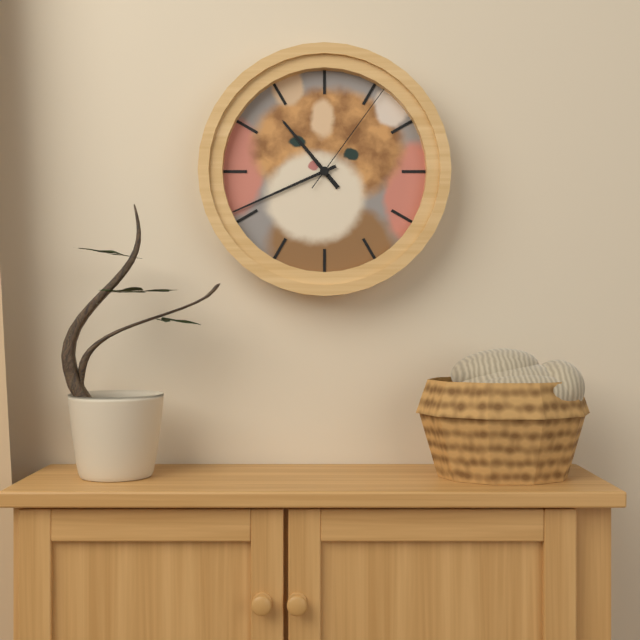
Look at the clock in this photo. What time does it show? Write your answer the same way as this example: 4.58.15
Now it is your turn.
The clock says 10.41.06
